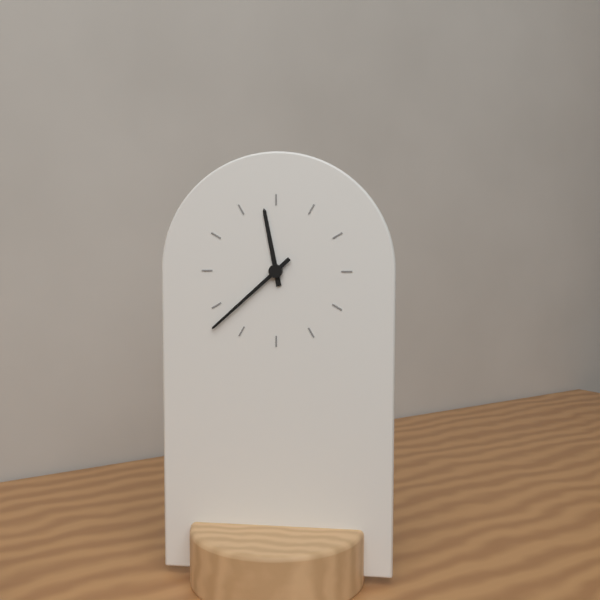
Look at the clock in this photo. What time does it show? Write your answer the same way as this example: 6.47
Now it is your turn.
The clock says 11.38
